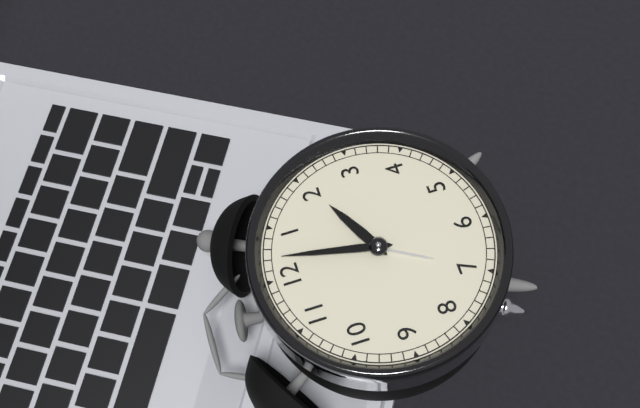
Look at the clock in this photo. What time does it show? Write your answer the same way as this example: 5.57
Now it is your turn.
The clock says 2.02
